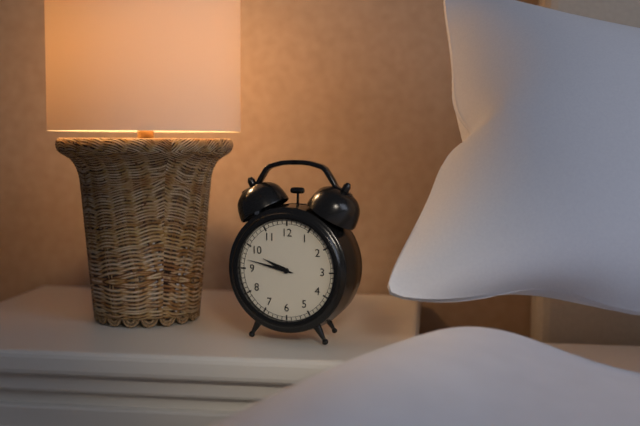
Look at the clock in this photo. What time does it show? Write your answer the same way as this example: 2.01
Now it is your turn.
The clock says 9.47
